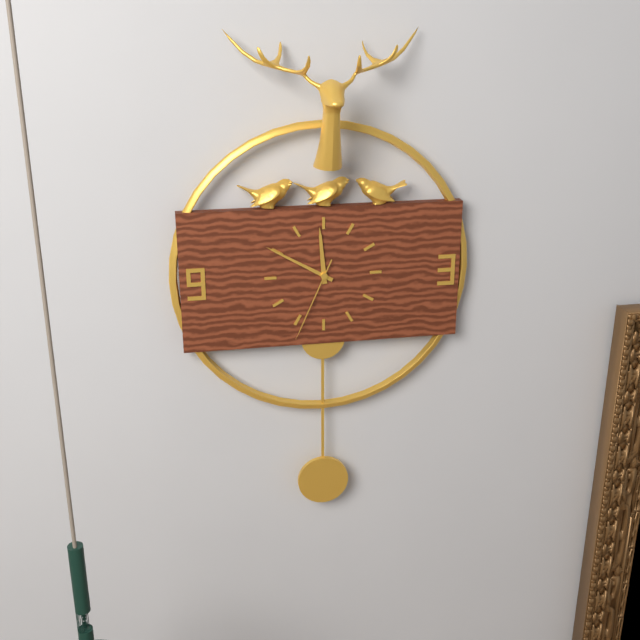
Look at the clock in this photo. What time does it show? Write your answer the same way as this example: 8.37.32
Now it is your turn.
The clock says 11.50.34
